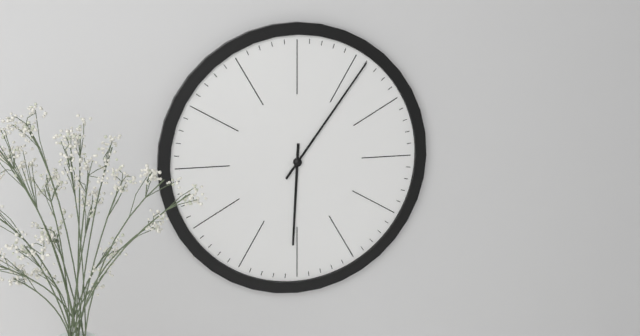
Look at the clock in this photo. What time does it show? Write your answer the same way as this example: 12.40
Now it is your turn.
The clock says 6.06
